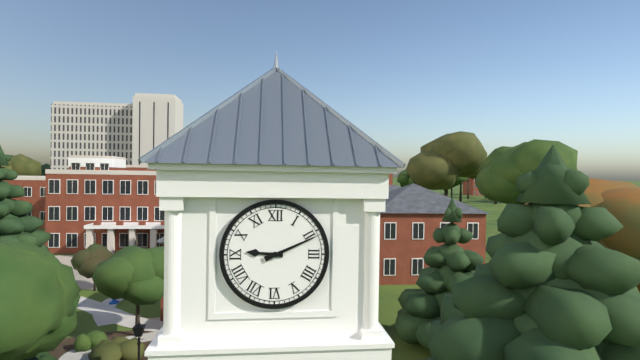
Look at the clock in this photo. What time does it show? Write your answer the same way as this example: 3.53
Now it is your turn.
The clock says 9.11
